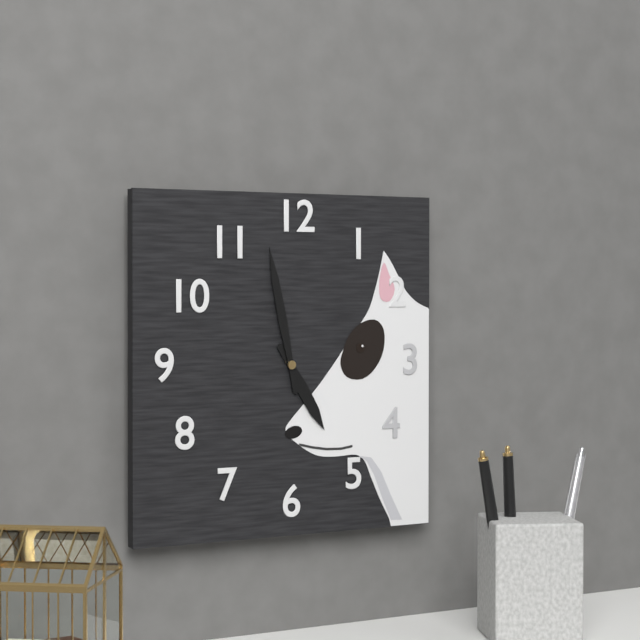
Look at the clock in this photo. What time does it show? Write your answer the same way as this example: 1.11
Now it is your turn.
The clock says 4.58
